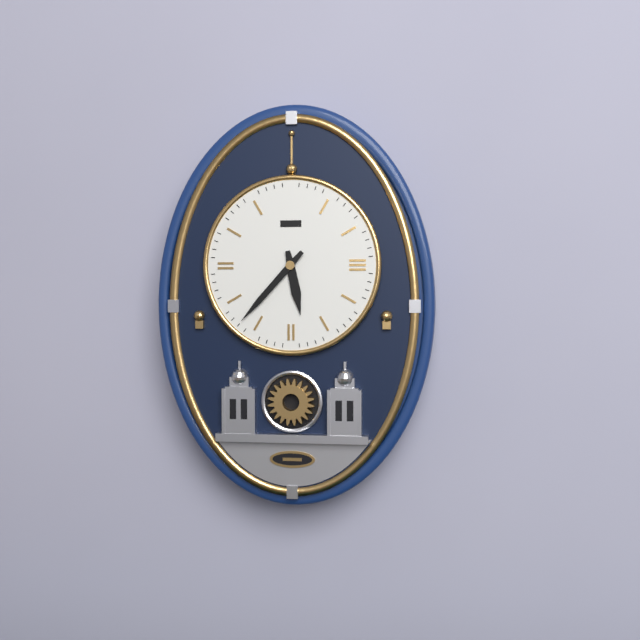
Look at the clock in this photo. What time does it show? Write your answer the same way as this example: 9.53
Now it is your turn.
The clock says 5.37
